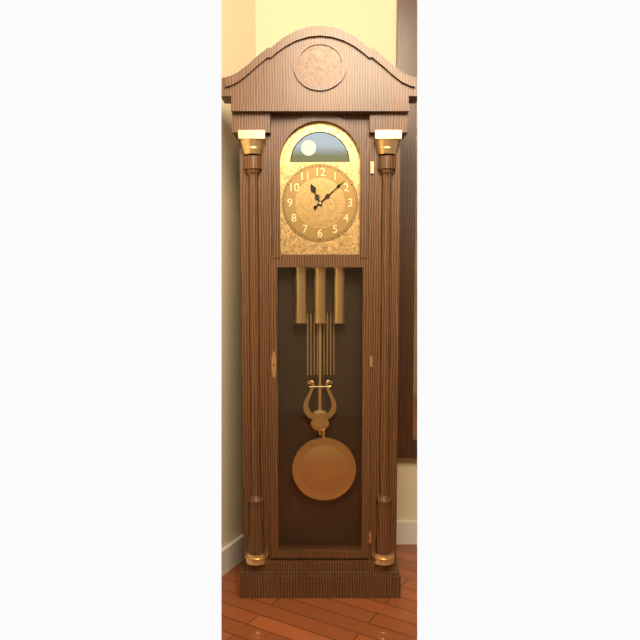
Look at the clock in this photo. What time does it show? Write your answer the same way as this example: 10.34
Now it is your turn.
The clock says 11.08
